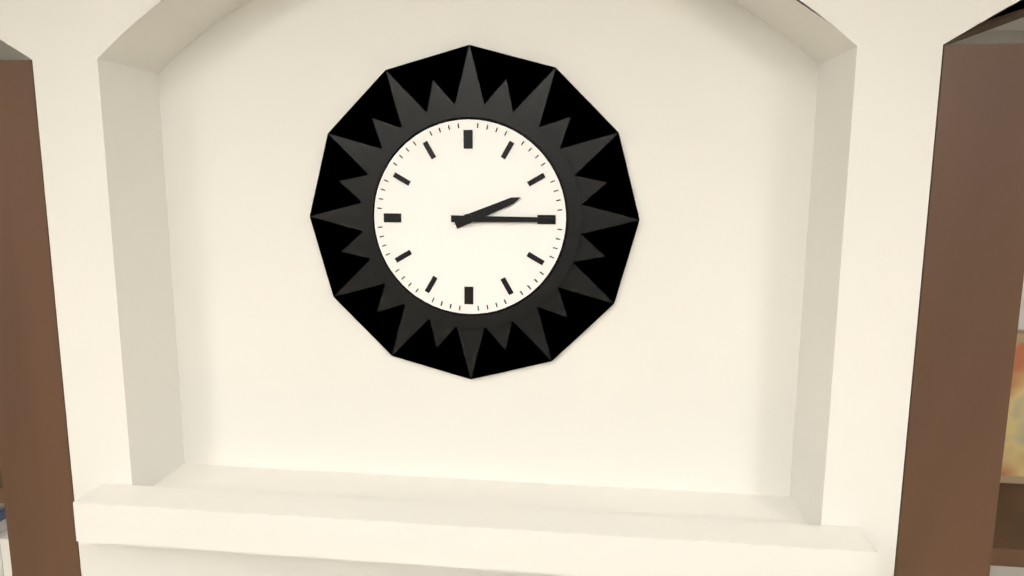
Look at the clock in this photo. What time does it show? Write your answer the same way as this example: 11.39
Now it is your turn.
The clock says 2.15
